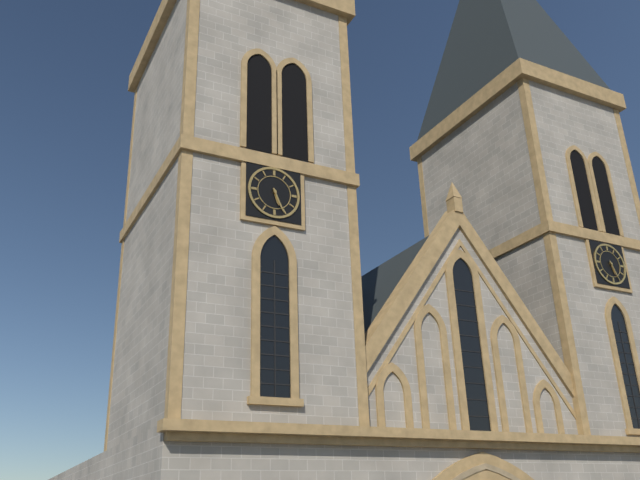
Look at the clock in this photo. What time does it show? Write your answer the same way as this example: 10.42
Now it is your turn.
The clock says 5.26
